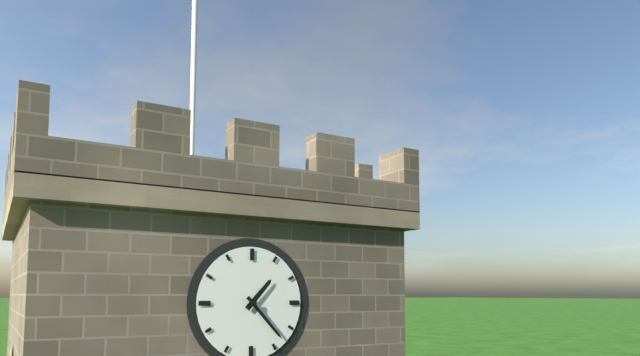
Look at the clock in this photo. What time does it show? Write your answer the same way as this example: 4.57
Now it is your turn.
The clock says 1.23
